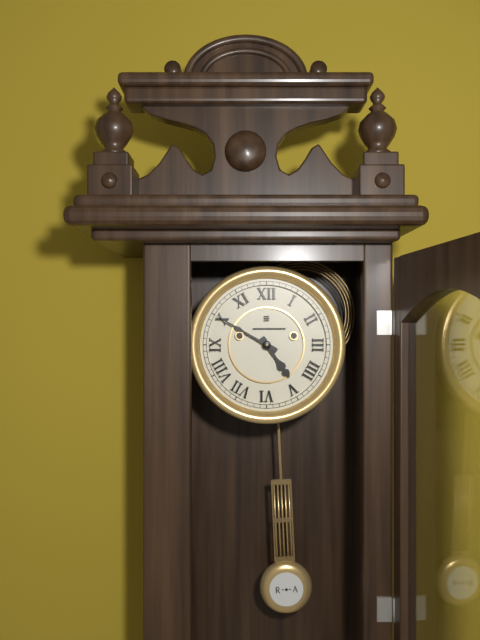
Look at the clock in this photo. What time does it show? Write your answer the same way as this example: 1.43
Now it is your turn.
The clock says 4.50
